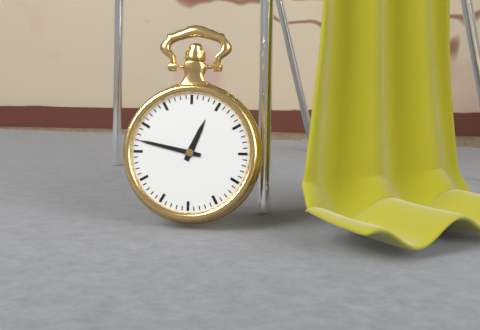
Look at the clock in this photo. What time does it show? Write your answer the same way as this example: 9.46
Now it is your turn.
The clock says 12.47
